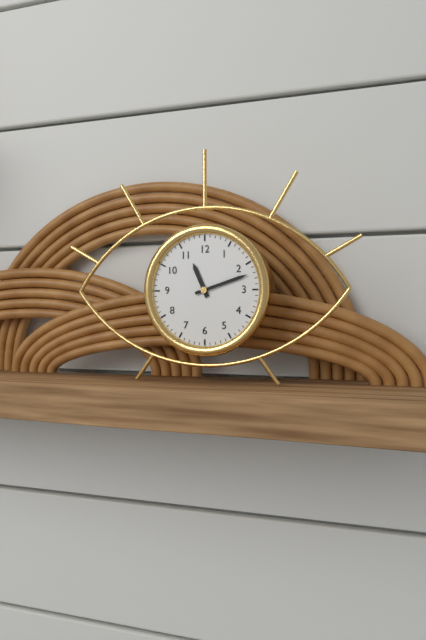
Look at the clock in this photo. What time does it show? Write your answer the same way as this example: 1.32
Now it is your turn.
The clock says 11.12
